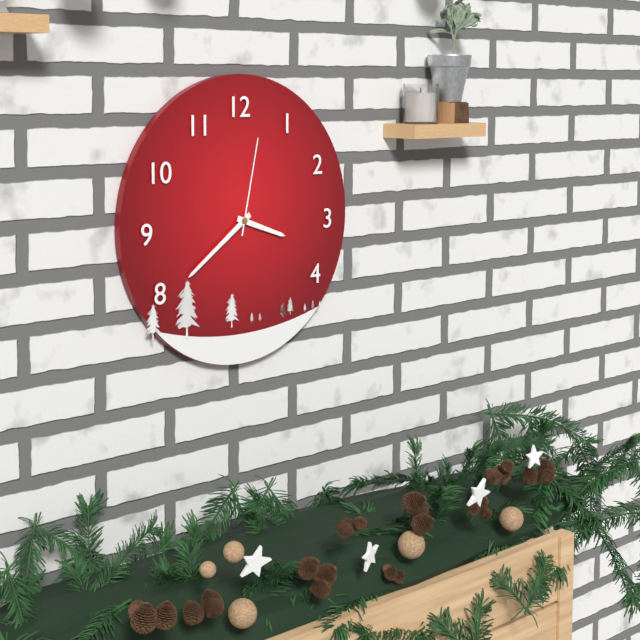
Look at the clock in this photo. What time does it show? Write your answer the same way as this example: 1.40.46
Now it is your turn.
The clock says 3.39.02
